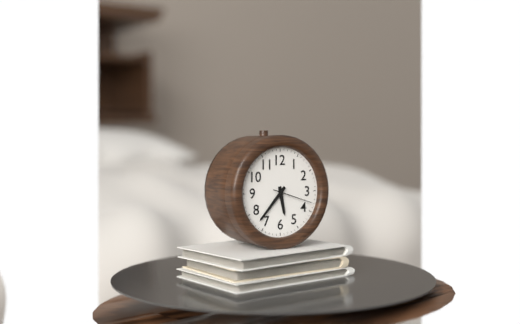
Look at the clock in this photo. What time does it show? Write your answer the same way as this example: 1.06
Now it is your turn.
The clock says 5.37
